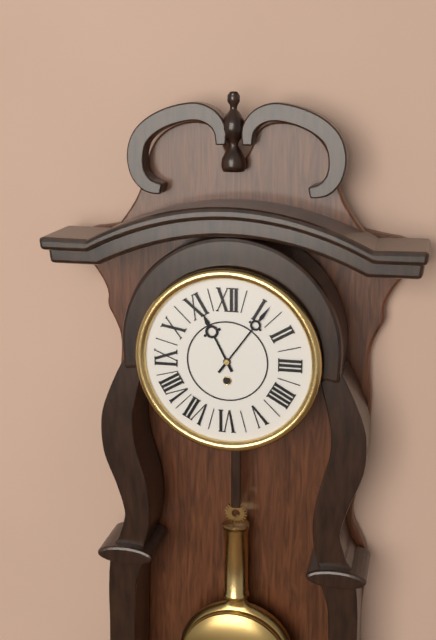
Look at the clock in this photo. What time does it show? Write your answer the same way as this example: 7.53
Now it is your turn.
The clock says 11.06
